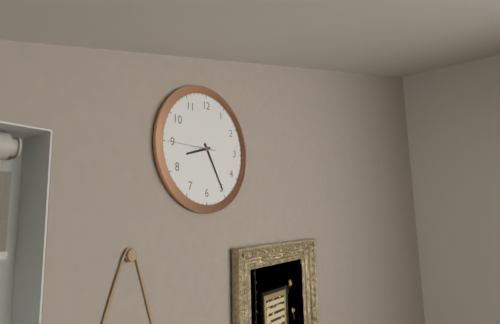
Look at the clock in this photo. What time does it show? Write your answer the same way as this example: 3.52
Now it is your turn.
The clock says 8.25
